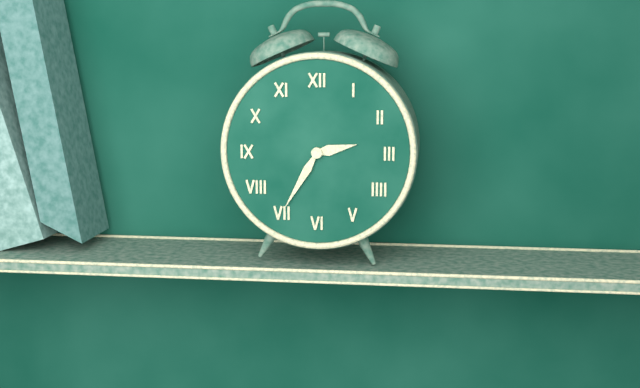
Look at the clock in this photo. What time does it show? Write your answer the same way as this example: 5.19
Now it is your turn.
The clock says 2.35
